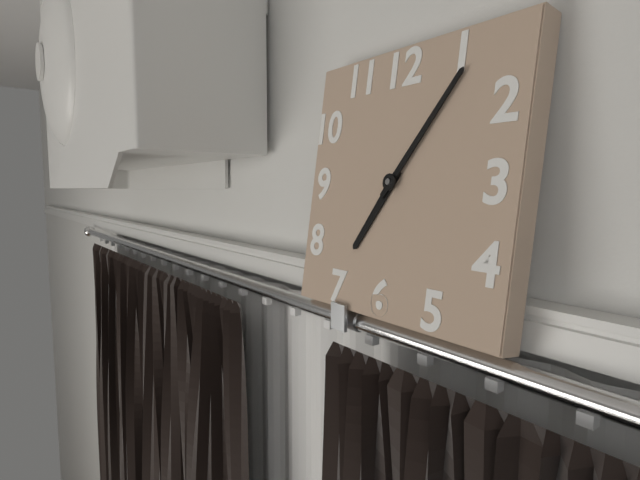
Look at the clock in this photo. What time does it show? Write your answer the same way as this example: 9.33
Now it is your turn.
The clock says 7.06
